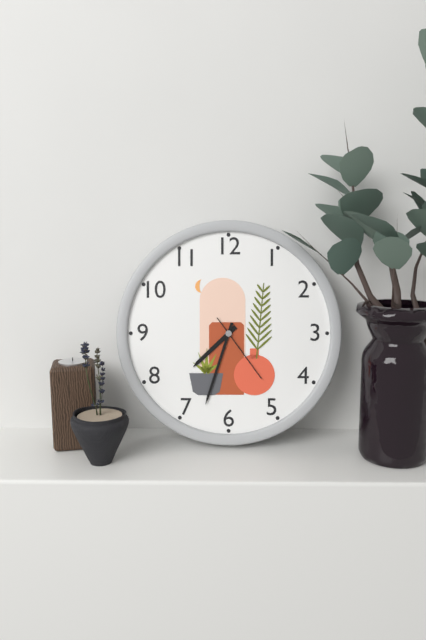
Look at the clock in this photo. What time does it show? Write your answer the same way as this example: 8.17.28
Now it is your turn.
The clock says 7.33.24
